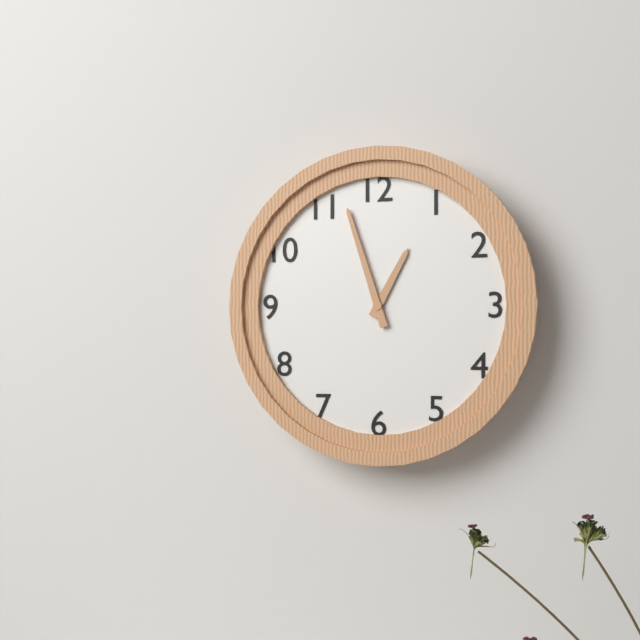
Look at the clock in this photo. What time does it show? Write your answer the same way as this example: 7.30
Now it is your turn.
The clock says 12.57
